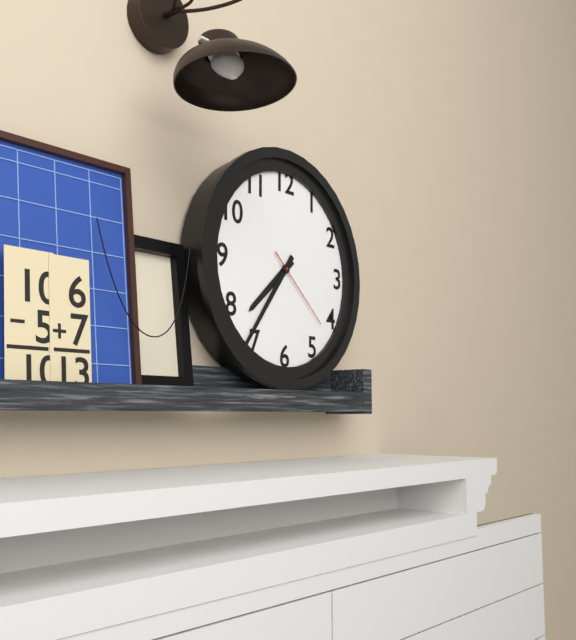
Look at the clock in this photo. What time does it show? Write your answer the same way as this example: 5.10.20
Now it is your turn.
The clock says 7.36.22
